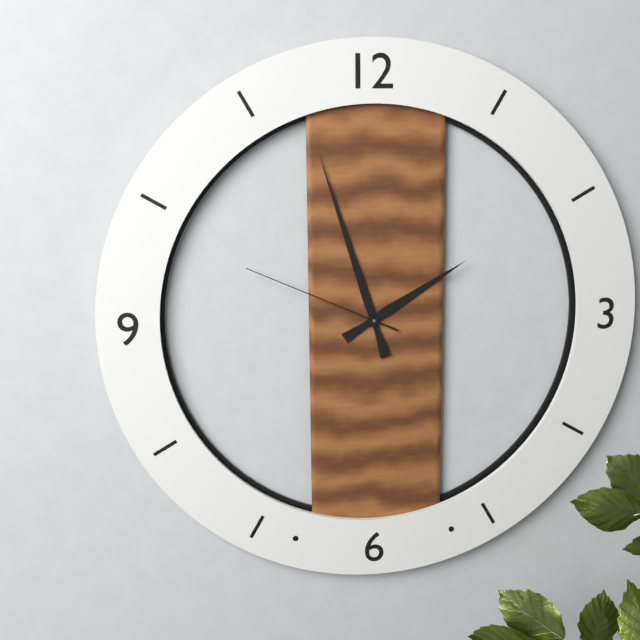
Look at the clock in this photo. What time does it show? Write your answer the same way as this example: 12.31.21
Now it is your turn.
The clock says 1.57.49
